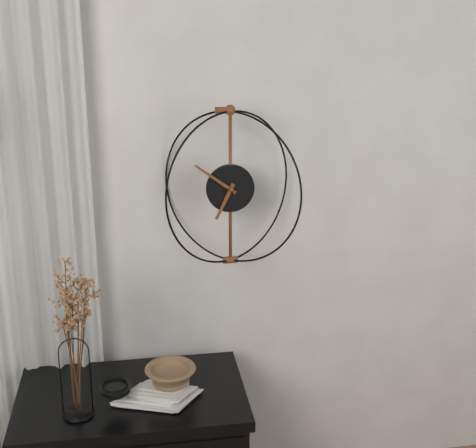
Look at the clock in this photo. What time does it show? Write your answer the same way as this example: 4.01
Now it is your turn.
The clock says 6.51
